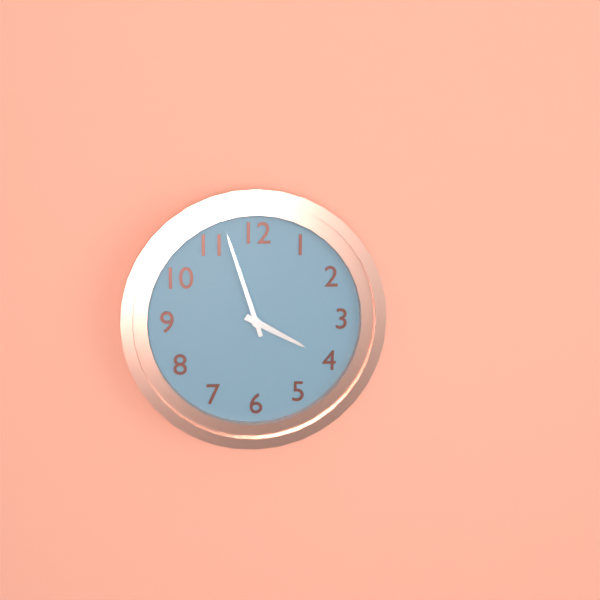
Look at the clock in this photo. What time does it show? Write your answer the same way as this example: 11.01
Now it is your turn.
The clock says 3.57
